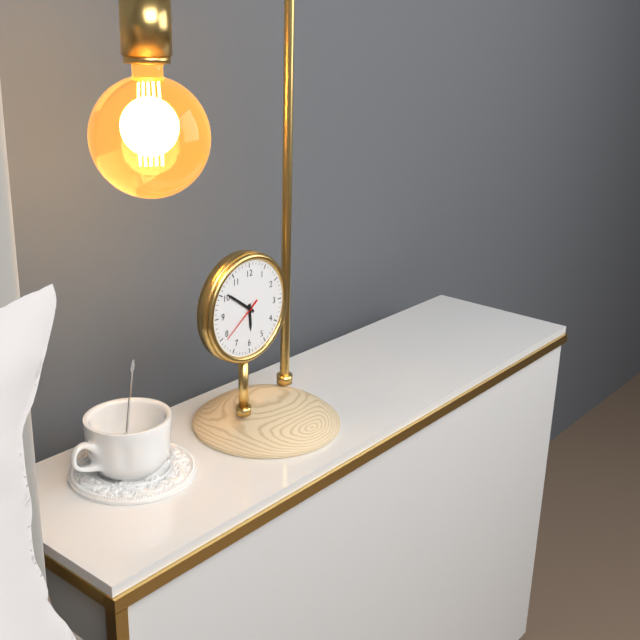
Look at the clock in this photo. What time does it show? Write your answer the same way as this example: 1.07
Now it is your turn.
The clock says 5.51
